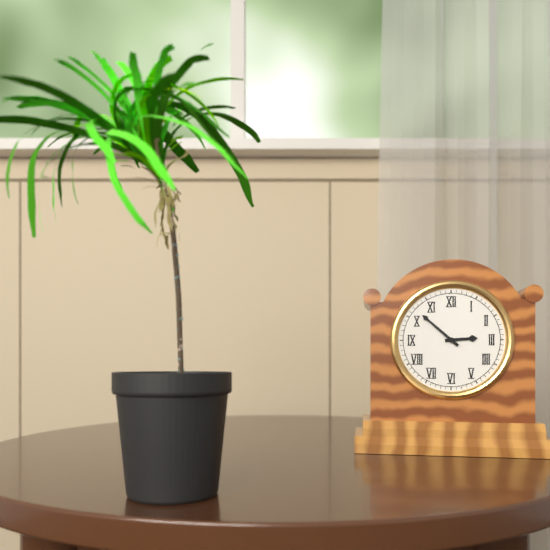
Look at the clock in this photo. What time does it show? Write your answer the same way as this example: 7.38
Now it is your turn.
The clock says 2.52
